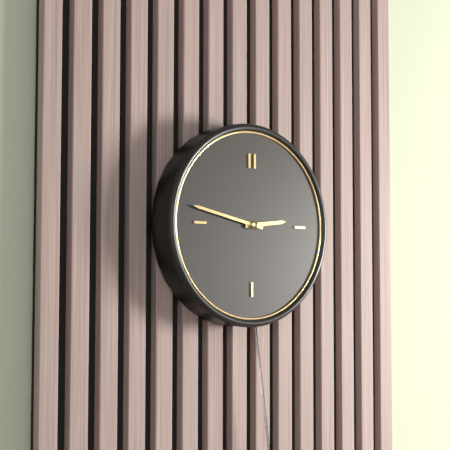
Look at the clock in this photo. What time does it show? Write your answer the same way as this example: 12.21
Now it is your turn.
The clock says 2.47
